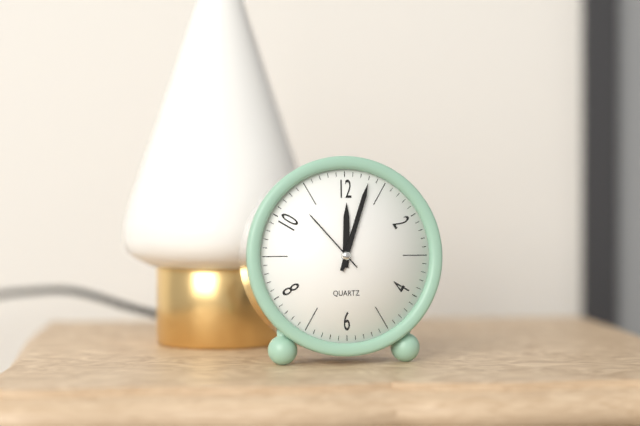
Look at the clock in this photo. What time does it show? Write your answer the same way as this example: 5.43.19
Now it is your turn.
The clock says 12.03.53
